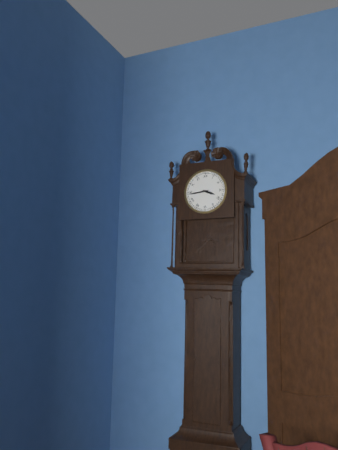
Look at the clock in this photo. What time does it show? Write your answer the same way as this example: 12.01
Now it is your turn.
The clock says 3.44
